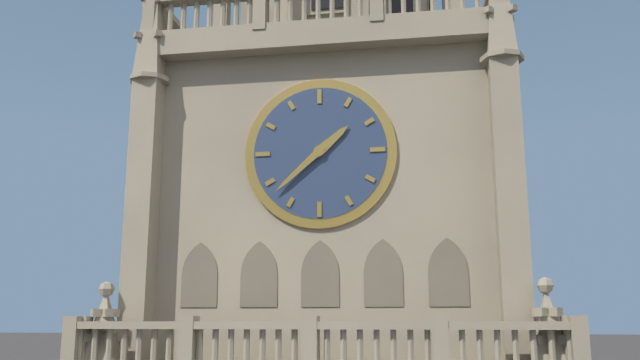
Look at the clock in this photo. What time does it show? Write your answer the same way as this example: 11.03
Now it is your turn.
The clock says 1.38
